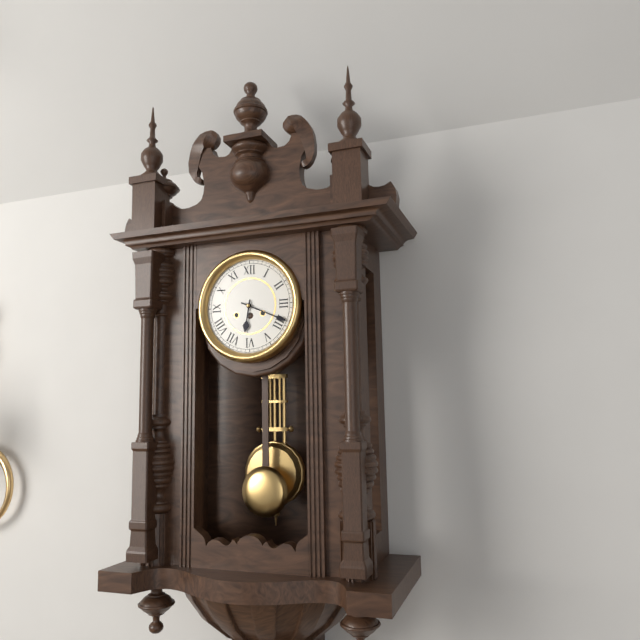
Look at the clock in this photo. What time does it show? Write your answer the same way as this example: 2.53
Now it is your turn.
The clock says 6.19
